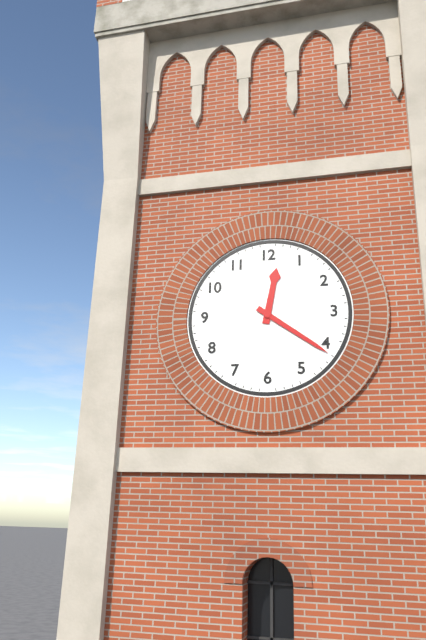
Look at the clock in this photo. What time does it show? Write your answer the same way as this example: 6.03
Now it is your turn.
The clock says 12.21
